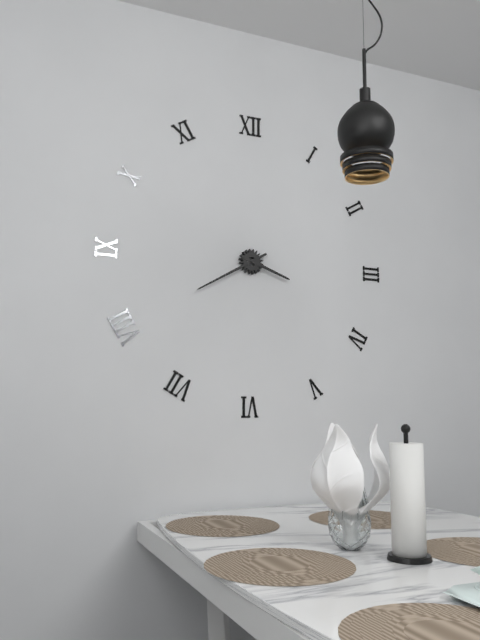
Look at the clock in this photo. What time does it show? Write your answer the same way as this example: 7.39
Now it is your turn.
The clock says 3.40
